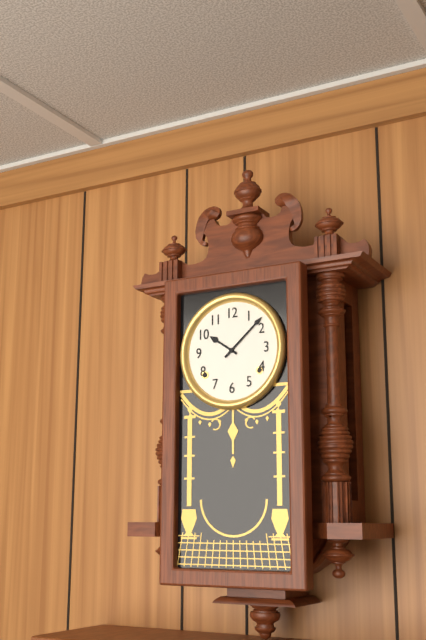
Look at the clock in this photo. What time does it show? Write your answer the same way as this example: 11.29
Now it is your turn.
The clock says 10.08
